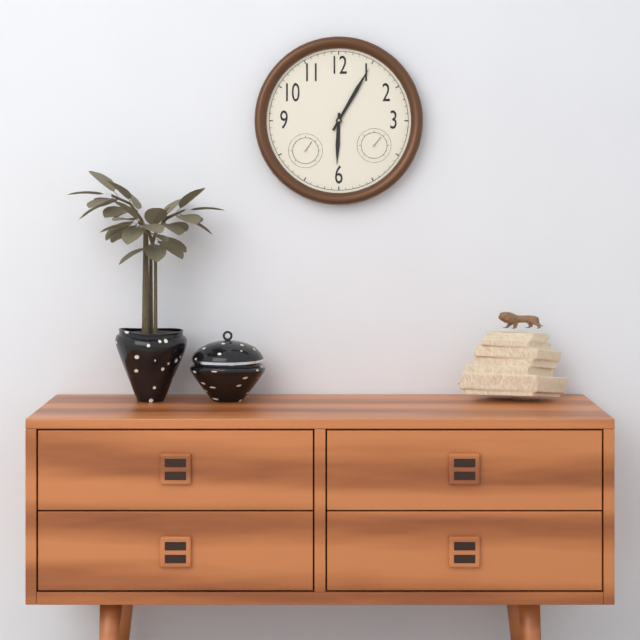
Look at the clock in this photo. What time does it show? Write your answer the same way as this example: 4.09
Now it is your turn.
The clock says 6.05
